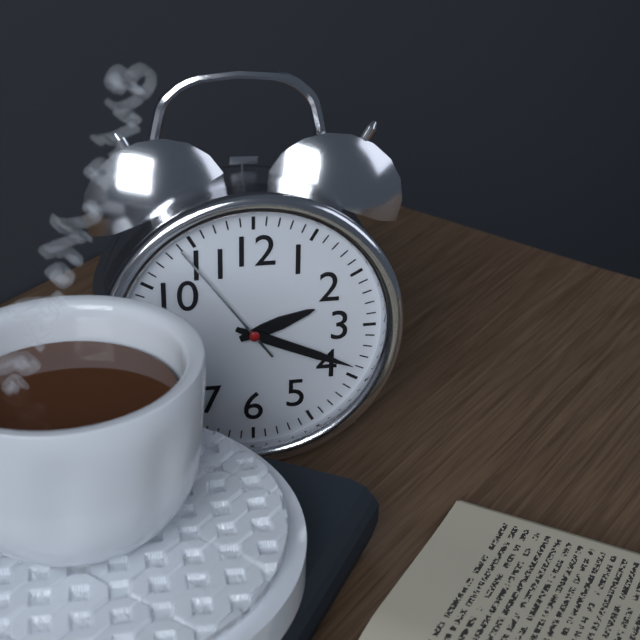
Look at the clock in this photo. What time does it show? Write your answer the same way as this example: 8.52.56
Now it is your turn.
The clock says 2.19.54
